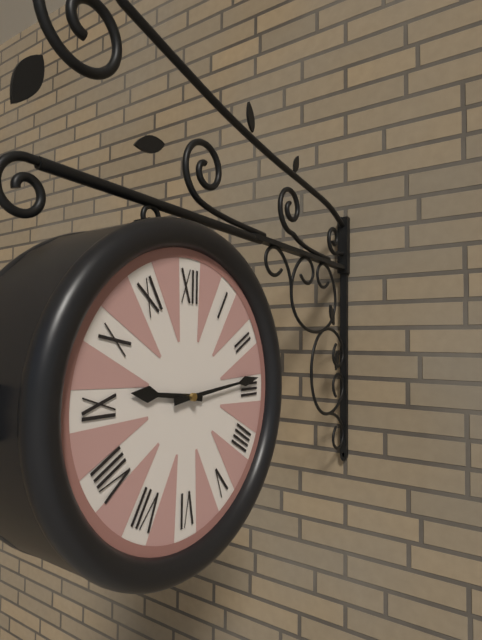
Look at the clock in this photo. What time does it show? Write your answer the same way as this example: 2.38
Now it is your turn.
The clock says 9.14
